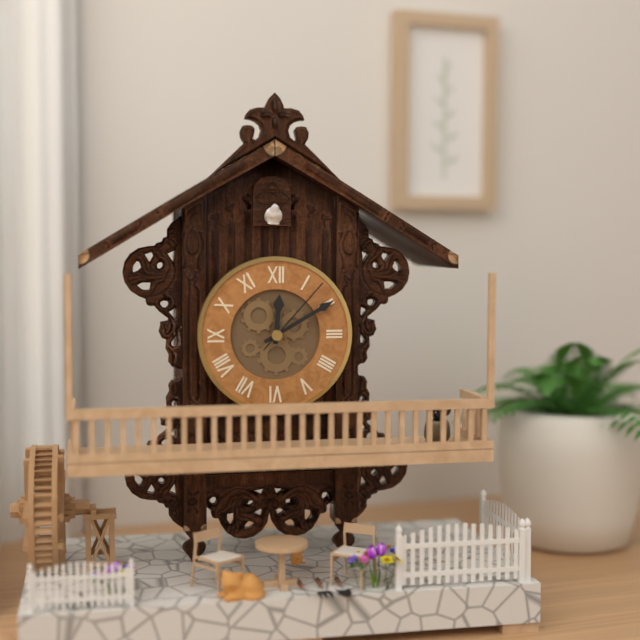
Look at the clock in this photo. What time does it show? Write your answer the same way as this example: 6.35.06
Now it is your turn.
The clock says 12.10.07
